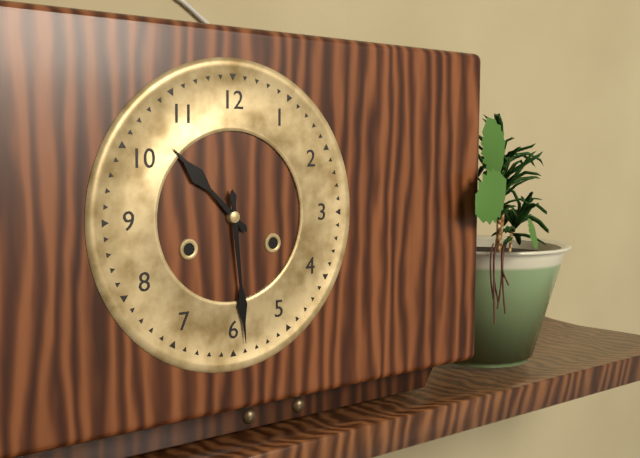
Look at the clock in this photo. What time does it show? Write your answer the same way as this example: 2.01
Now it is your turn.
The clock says 10.29
